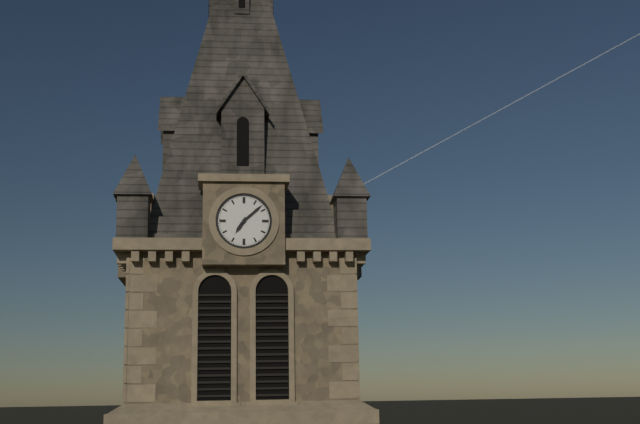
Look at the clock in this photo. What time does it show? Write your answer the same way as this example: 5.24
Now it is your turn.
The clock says 7.08
